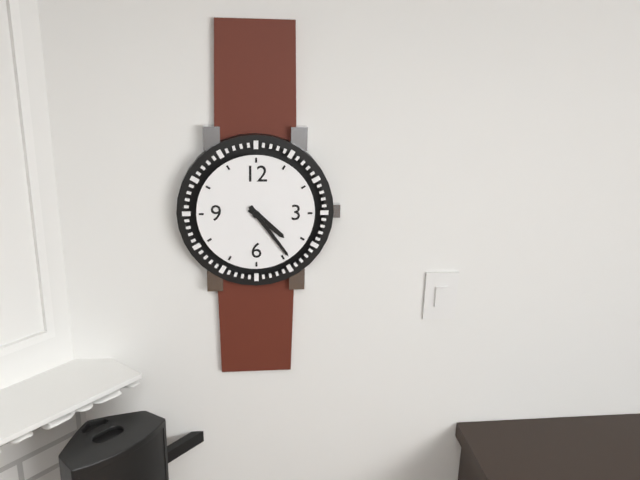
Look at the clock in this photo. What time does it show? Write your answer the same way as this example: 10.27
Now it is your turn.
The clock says 4.24
